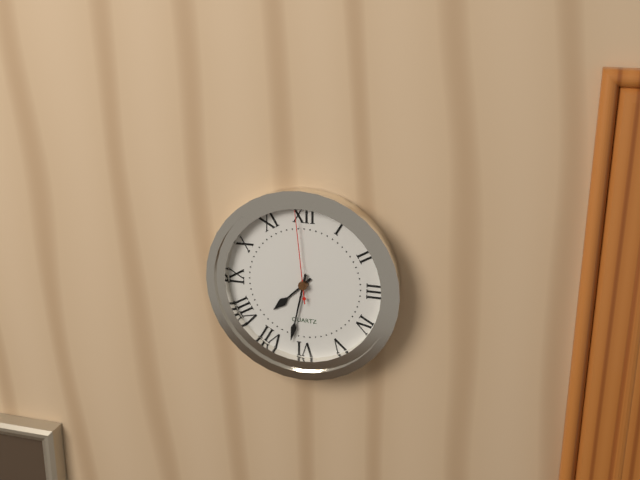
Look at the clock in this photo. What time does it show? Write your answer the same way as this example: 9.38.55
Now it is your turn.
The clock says 7.32.59
